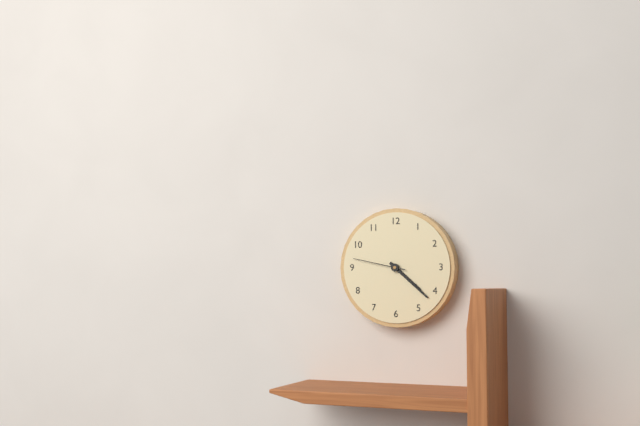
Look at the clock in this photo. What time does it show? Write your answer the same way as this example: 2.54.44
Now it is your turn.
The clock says 4.22.47
